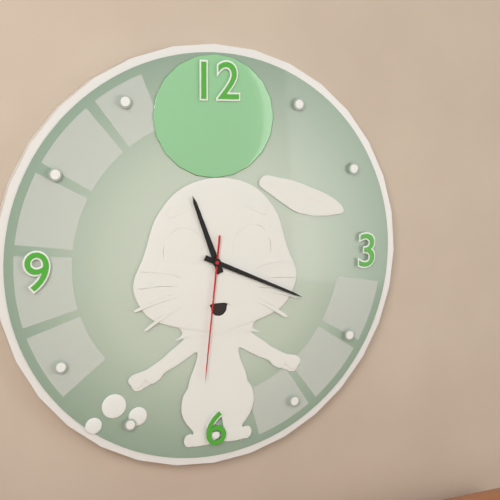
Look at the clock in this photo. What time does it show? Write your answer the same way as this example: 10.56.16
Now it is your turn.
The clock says 11.19.31
